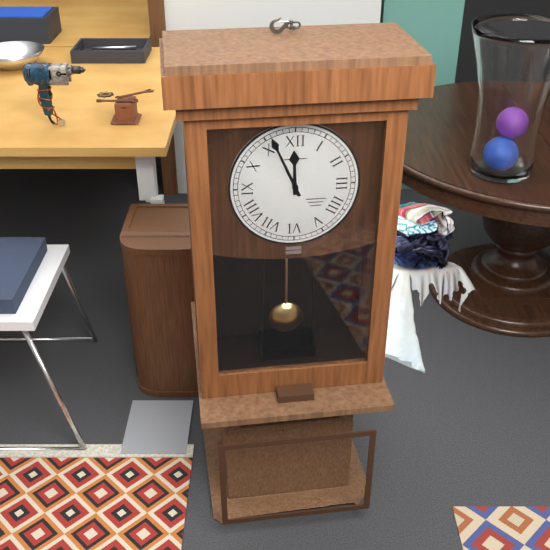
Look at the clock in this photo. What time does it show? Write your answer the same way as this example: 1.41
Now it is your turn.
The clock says 11.56
